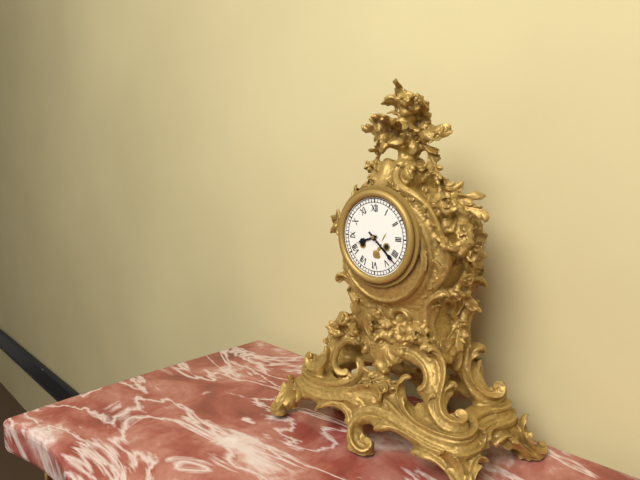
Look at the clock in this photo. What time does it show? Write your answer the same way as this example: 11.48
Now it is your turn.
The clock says 8.22
